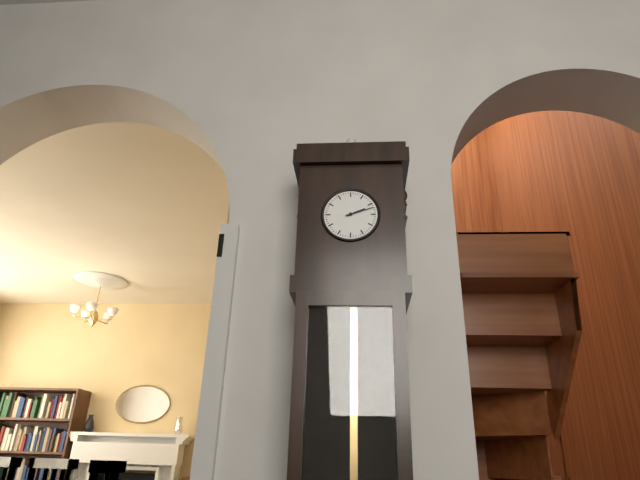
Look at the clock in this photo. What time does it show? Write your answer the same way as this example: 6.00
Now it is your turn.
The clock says 2.12
